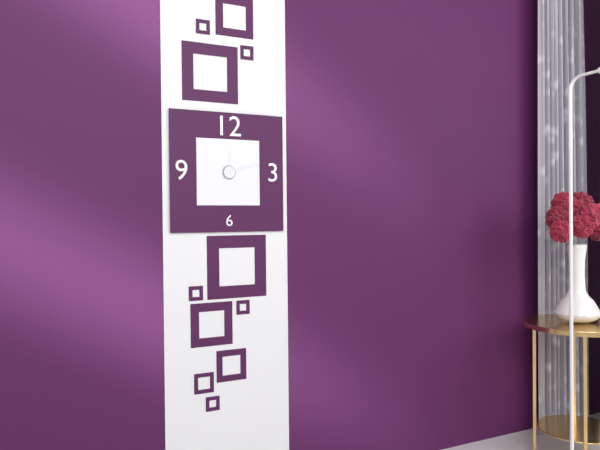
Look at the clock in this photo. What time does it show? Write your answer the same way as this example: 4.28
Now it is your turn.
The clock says 12.12
